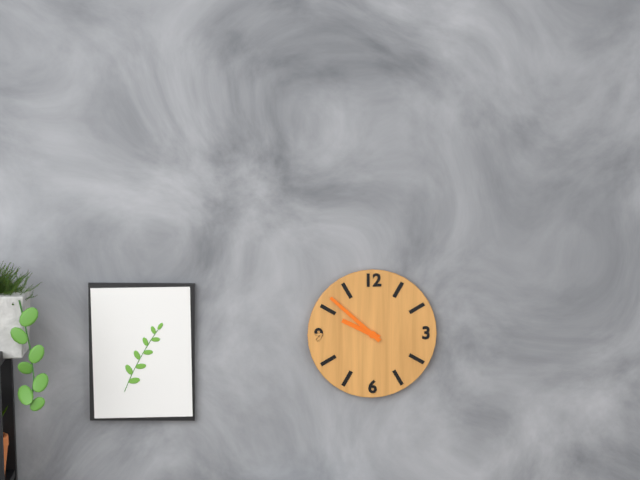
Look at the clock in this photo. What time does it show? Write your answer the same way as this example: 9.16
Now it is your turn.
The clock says 9.52
